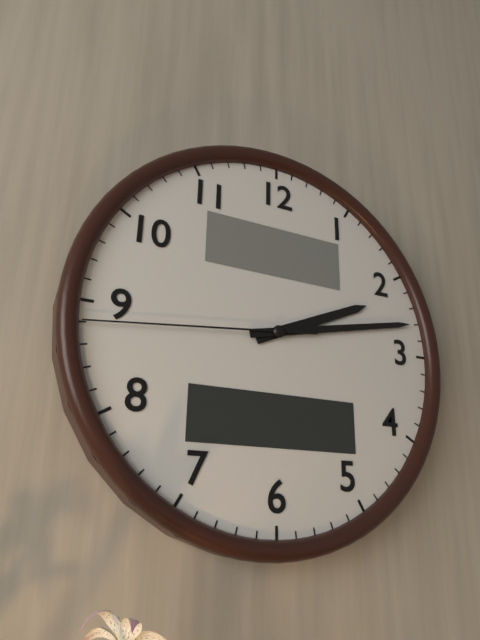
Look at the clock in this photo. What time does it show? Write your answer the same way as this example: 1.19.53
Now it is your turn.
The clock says 2.13.44
